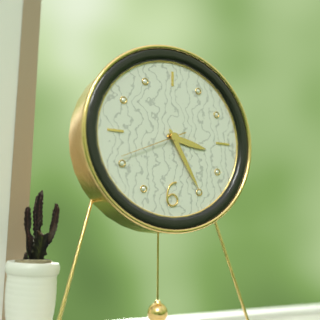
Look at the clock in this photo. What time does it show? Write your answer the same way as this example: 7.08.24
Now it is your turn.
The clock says 3.25.41
